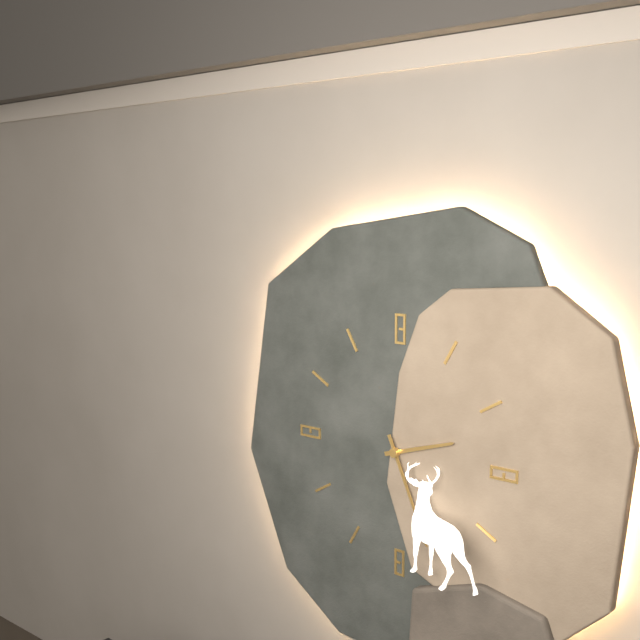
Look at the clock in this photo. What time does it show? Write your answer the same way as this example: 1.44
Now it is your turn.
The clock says 2.26
